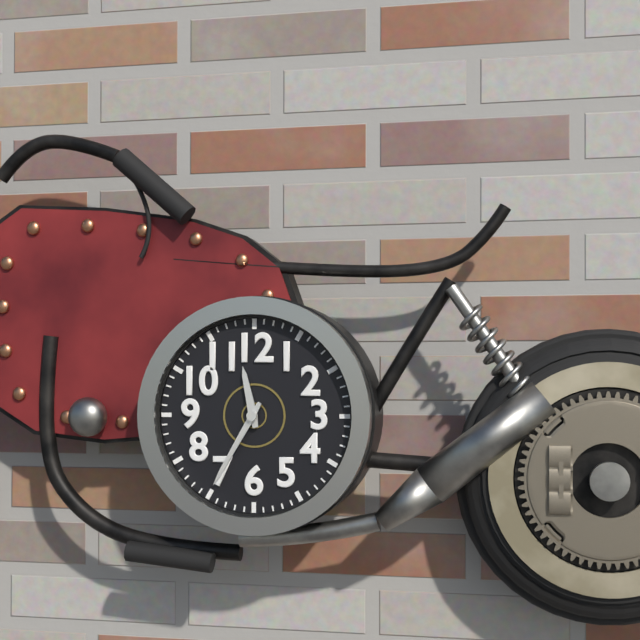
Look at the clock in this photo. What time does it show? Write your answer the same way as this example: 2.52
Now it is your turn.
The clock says 11.35
